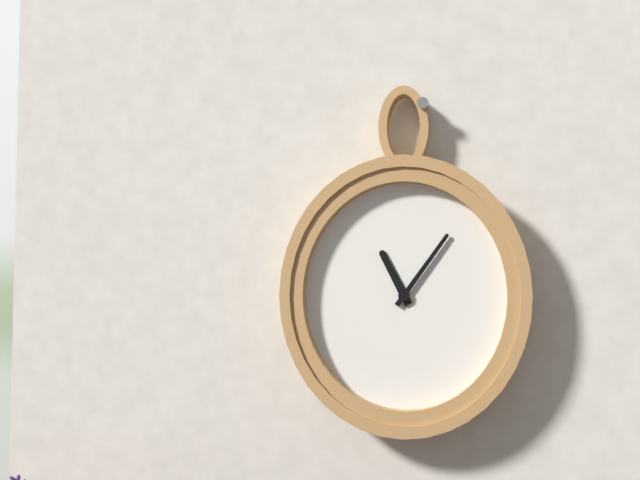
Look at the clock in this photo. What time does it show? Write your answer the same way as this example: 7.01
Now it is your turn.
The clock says 11.06
